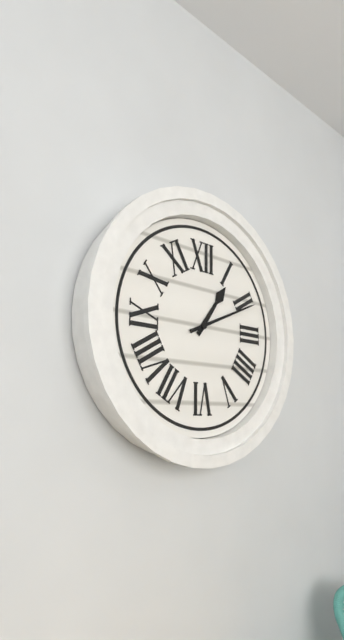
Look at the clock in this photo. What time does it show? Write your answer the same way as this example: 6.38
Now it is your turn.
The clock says 1.11
